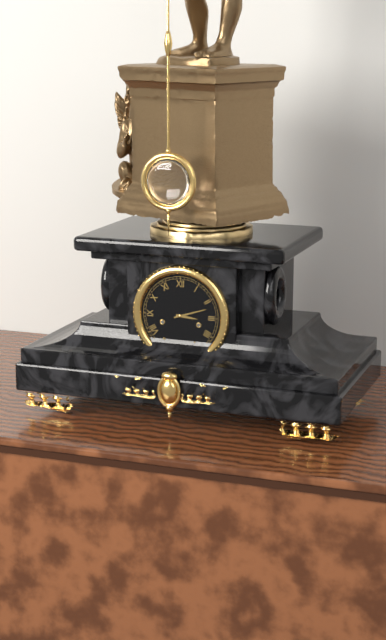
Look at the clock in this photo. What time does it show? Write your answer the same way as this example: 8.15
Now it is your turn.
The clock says 3.12
